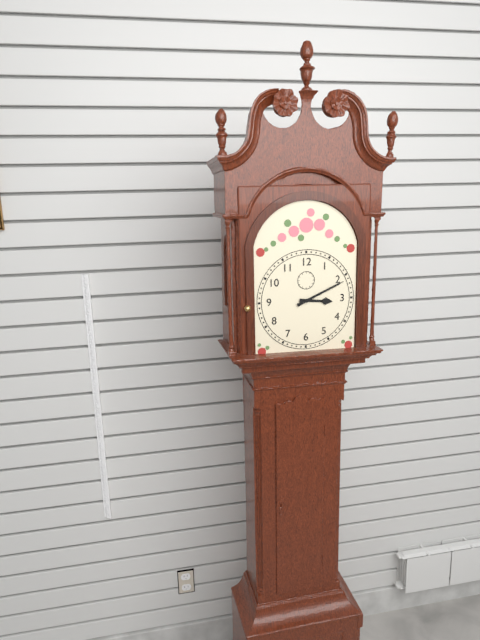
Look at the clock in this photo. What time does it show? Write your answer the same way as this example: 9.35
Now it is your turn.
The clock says 3.11
